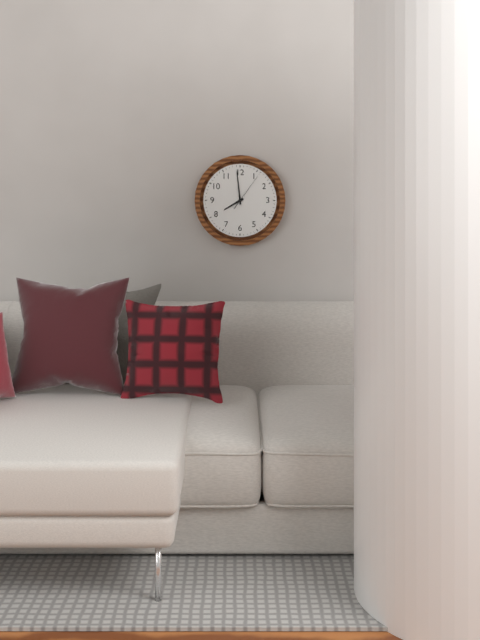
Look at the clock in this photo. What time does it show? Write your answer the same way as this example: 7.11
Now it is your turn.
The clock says 7.59
